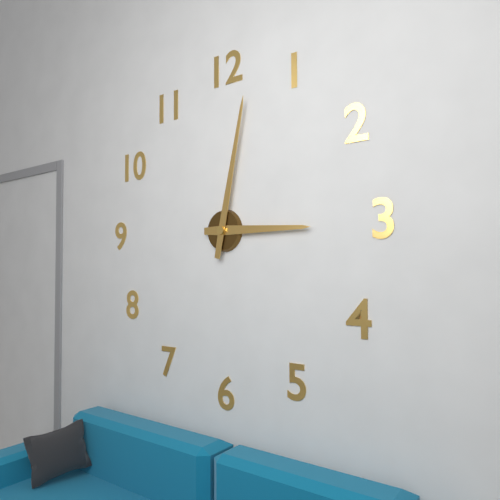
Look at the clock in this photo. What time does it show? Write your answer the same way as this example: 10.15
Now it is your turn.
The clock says 3.02
